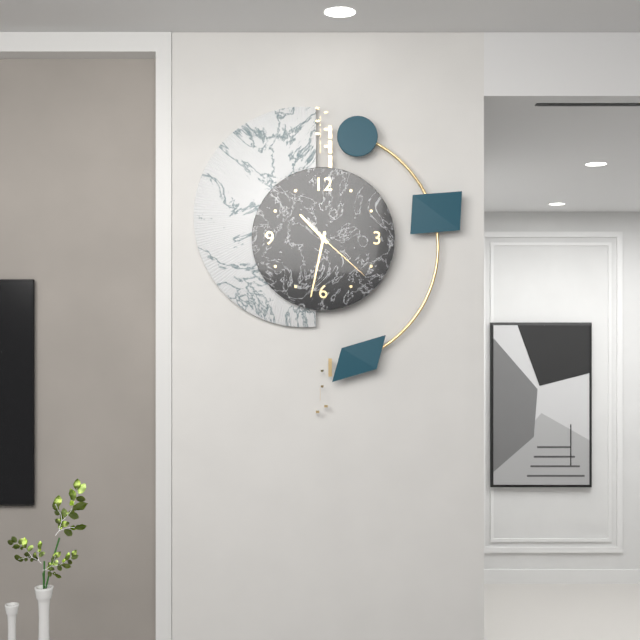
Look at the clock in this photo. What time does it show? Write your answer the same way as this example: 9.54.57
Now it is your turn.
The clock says 10.32.22
